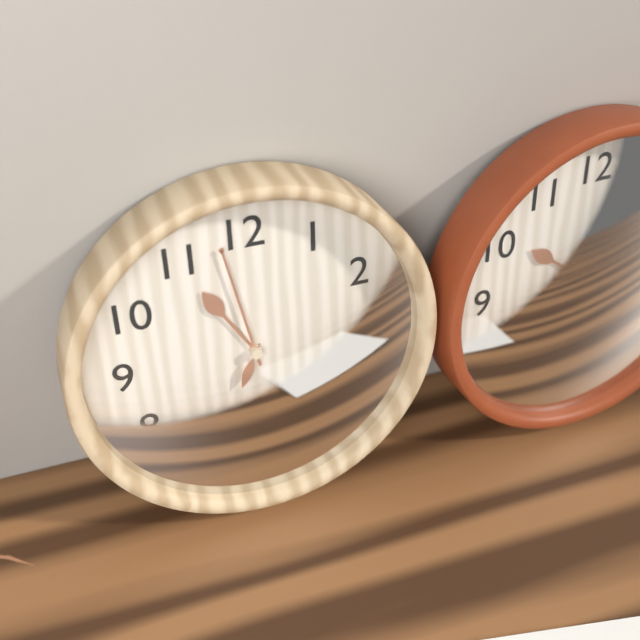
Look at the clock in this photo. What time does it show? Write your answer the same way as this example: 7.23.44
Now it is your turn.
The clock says 10.58.34
